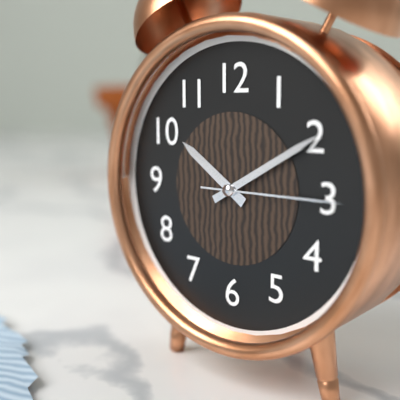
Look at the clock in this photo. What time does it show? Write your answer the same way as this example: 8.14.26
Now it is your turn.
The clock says 10.10.15
